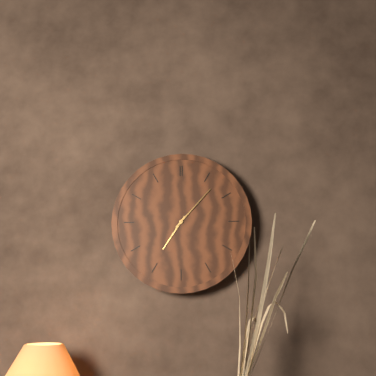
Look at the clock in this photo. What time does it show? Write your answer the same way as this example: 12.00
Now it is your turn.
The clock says 7.07
